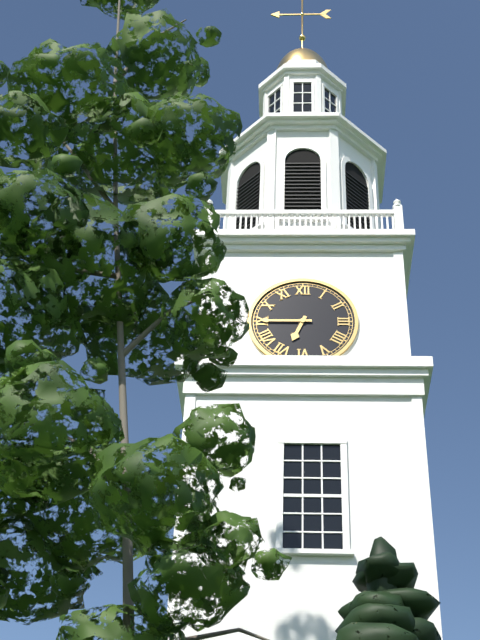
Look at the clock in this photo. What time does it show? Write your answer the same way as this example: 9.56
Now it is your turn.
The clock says 6.45
